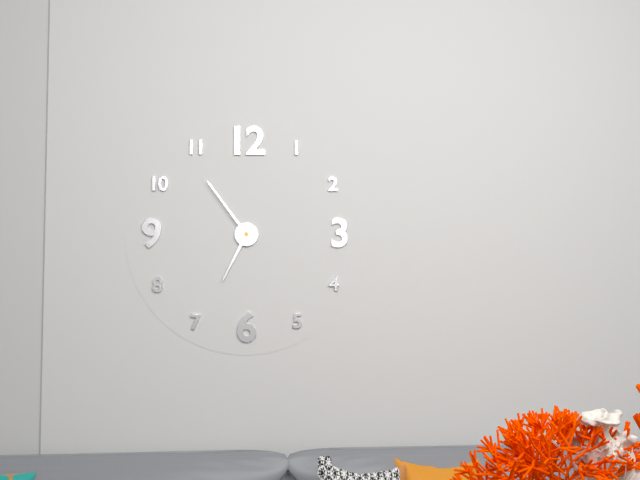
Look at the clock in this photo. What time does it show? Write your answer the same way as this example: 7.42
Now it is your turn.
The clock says 6.54
